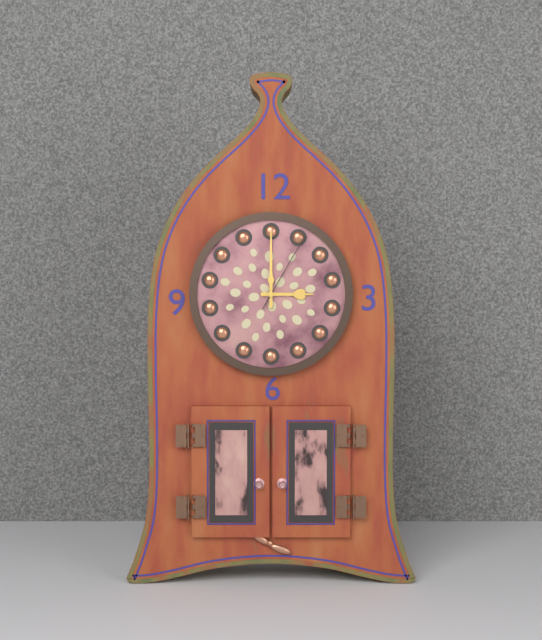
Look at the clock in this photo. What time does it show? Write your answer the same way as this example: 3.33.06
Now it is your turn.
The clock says 3.00.05
